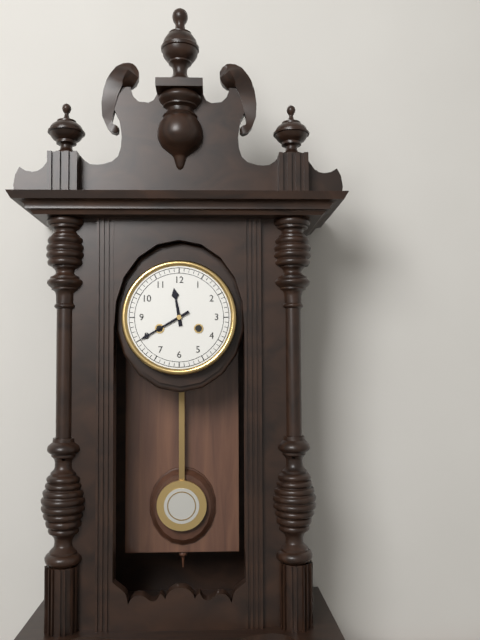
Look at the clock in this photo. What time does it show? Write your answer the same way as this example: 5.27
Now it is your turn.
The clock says 11.40
